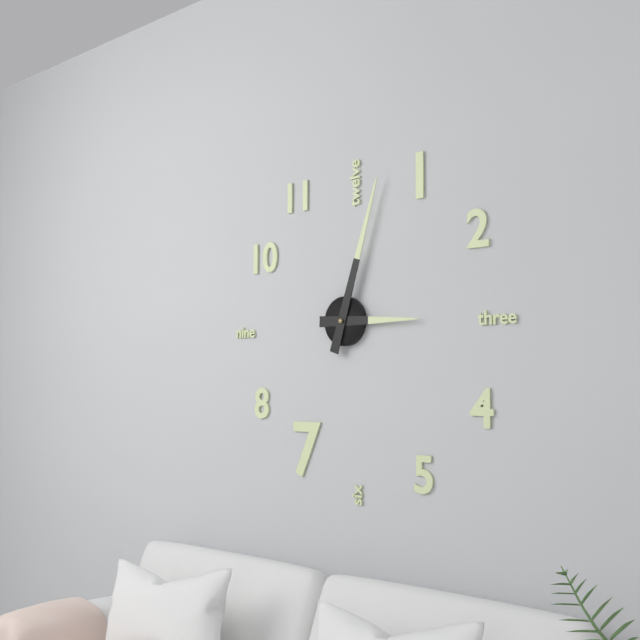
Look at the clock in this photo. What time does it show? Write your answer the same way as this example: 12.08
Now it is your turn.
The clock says 3.03
